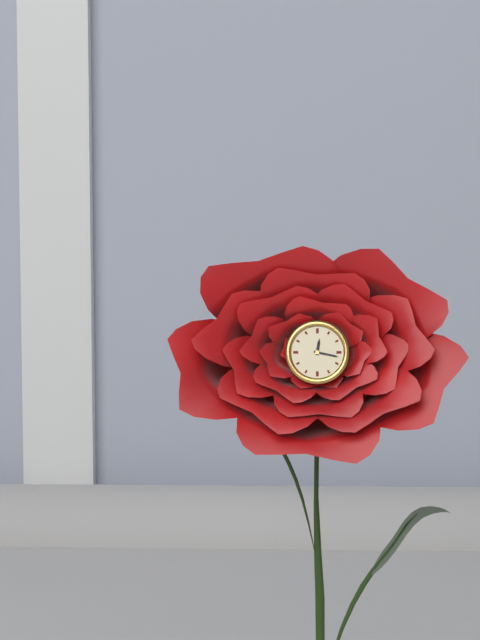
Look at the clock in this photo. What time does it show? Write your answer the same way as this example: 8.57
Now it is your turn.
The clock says 12.17
